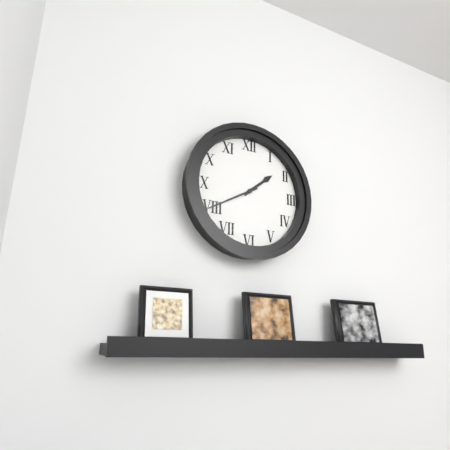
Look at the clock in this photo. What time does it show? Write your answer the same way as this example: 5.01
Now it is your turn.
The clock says 1.40
